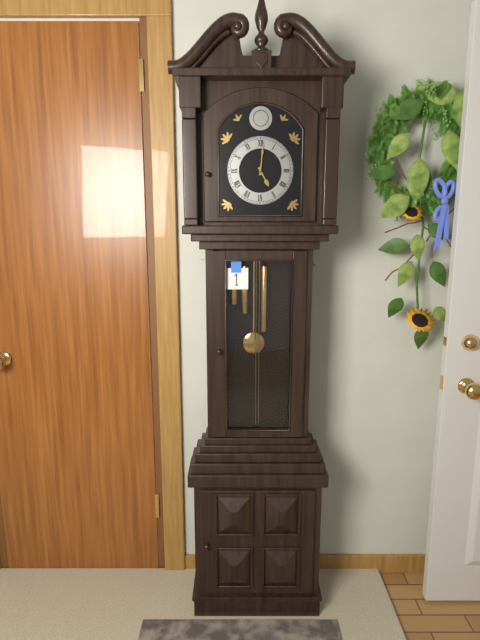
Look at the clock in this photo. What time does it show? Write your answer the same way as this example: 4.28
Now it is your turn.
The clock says 5.01
